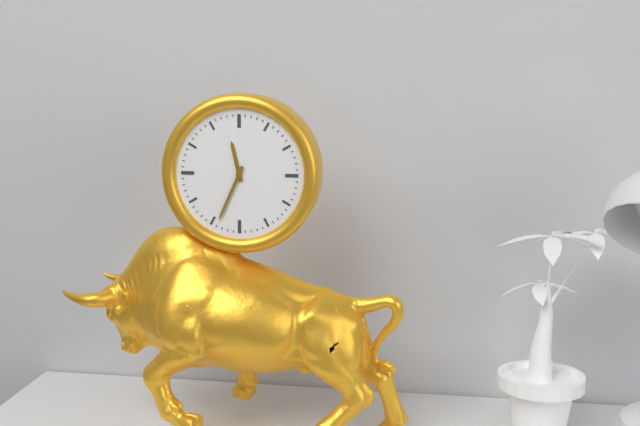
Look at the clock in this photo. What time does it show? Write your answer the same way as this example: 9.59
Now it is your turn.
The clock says 11.34
